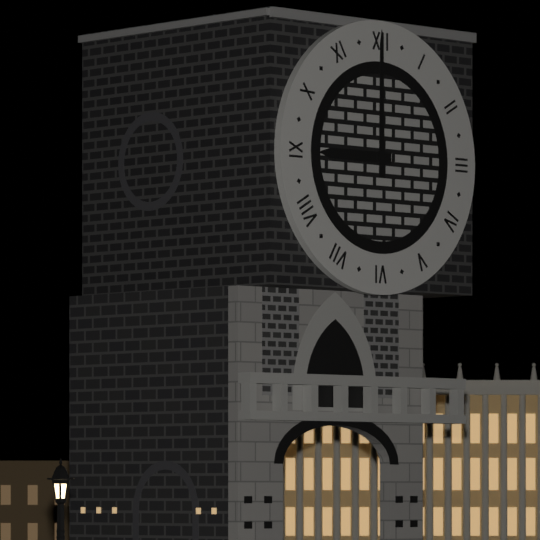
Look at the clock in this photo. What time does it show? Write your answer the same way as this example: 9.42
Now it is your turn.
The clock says 9.00
